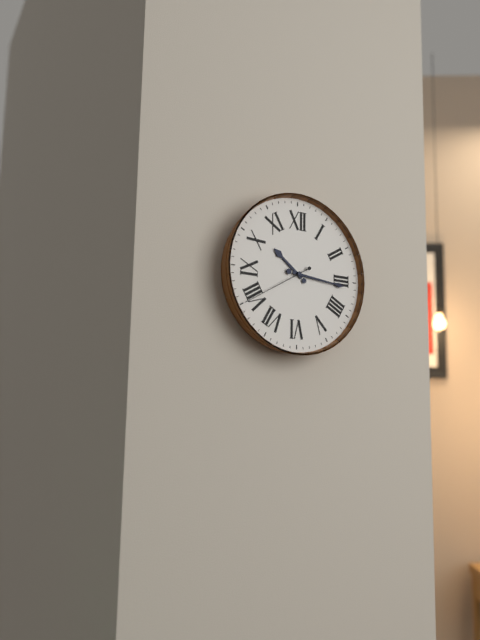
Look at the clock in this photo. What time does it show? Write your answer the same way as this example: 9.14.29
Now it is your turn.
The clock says 10.16.40
